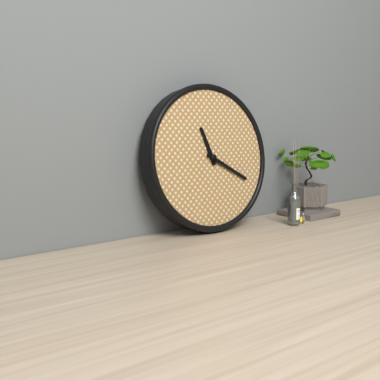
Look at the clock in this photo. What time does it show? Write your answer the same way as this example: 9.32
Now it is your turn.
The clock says 11.20
